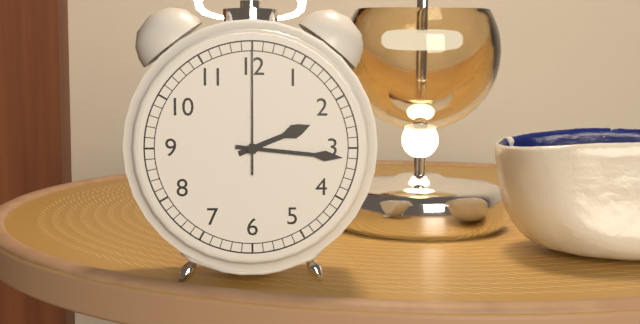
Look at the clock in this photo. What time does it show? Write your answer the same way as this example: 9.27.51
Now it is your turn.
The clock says 2.16.00
